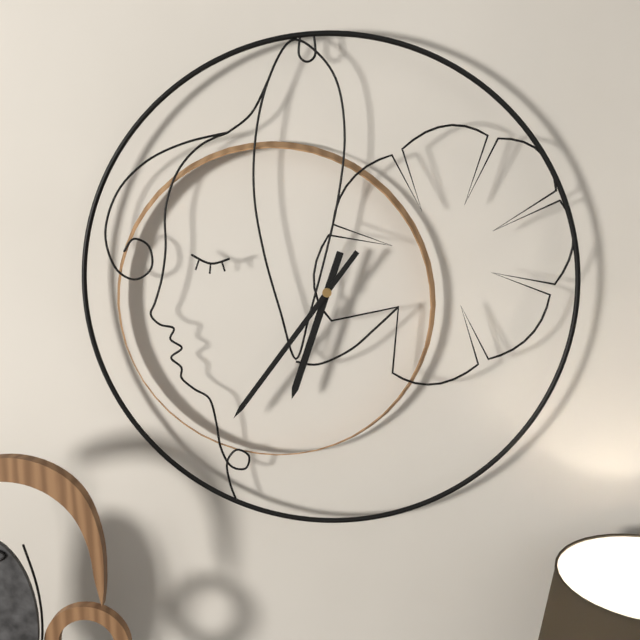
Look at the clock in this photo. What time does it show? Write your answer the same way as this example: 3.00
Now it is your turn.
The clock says 6.36
